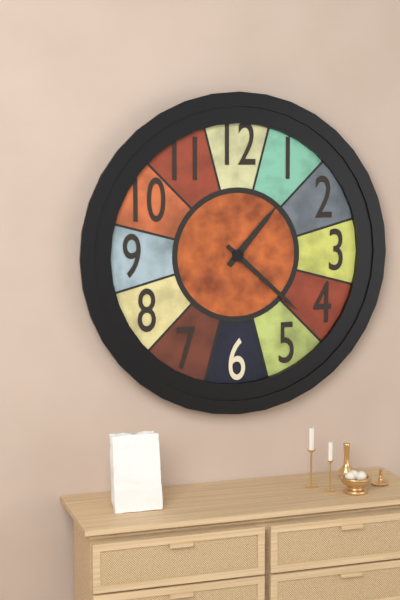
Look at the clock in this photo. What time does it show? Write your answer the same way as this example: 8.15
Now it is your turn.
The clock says 1.22
